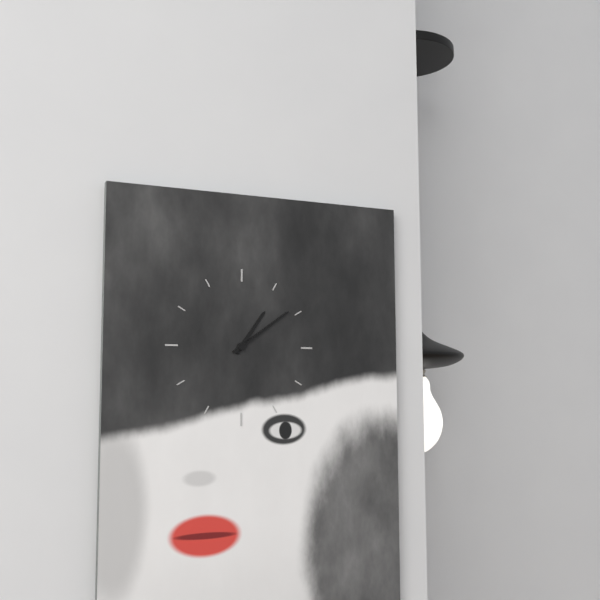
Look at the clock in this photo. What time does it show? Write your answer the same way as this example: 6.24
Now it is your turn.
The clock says 1.09
